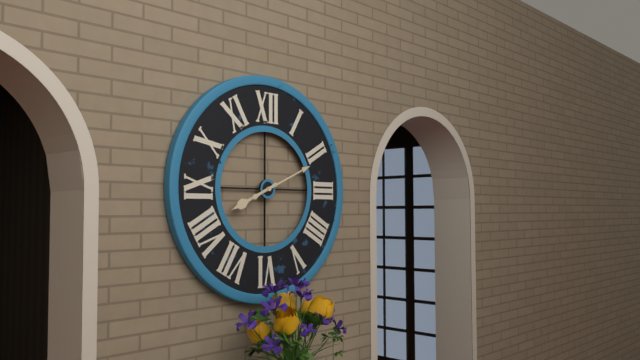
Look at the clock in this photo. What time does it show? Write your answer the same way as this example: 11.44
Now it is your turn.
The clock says 8.11
